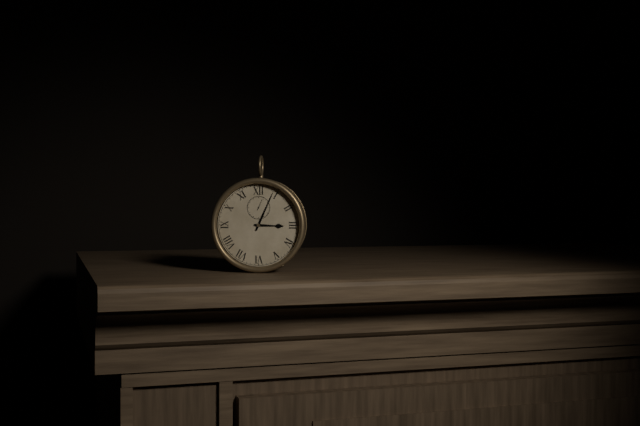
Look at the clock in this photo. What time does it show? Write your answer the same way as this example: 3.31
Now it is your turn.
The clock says 3.04
